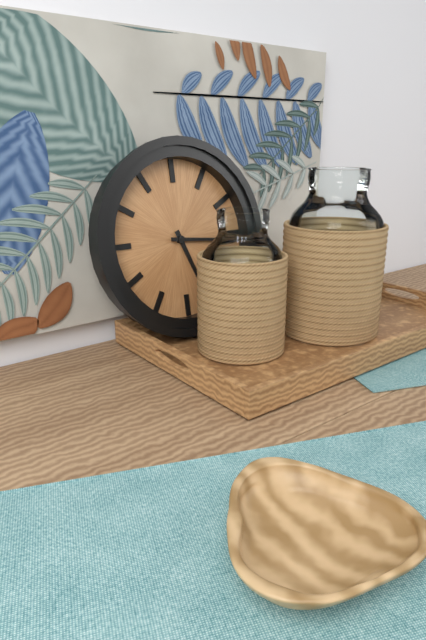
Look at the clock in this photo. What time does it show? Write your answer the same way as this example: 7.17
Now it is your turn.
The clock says 5.16
